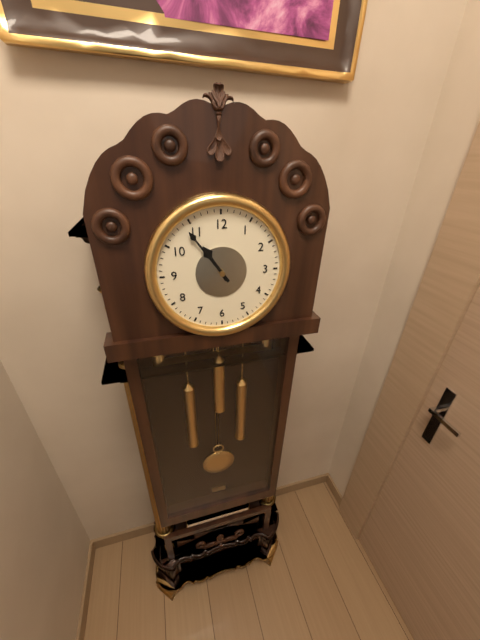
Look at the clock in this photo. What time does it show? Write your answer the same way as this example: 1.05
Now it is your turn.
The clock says 10.54
